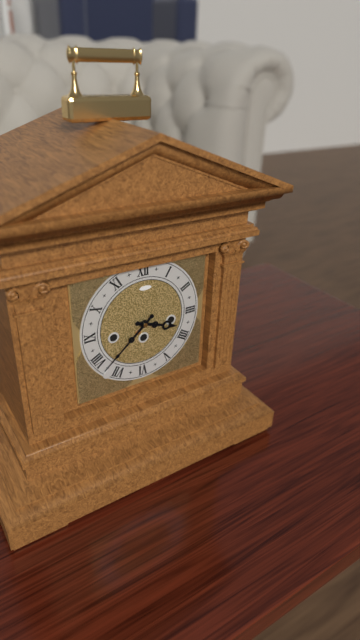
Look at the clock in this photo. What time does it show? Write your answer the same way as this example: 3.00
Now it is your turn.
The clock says 3.38
